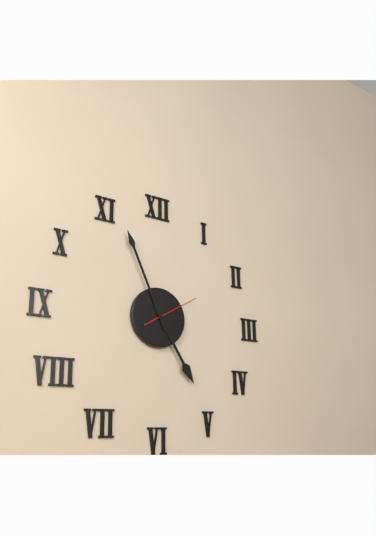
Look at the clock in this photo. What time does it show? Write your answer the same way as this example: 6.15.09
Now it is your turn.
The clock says 4.56.10
